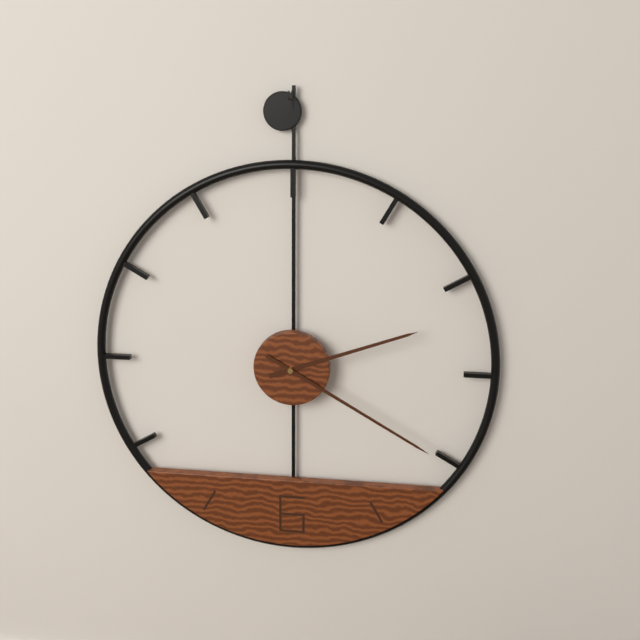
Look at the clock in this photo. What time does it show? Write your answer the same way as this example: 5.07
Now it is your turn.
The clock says 2.20
